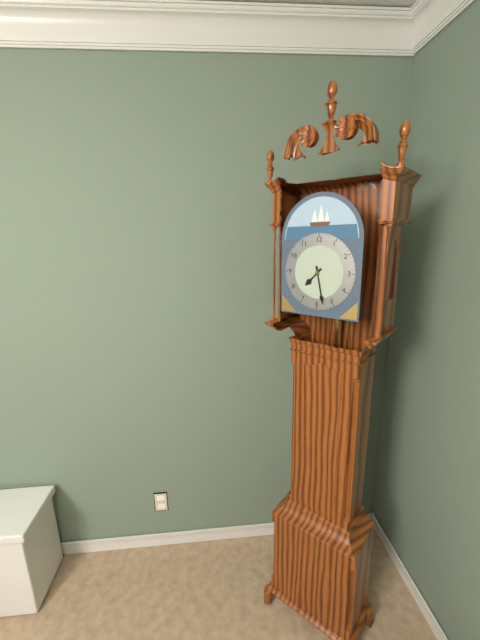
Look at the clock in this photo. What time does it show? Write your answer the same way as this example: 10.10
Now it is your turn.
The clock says 7.28
